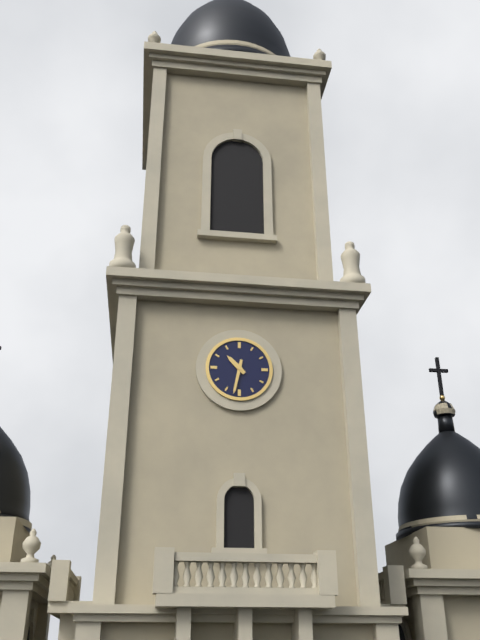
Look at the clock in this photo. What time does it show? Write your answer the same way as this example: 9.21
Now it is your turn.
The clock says 10.32
